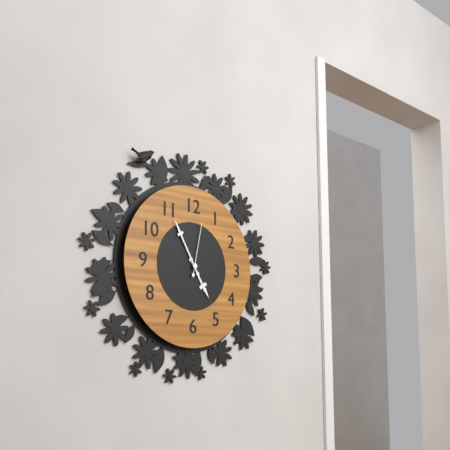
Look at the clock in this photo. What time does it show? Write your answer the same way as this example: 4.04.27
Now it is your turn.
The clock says 4.55.02
